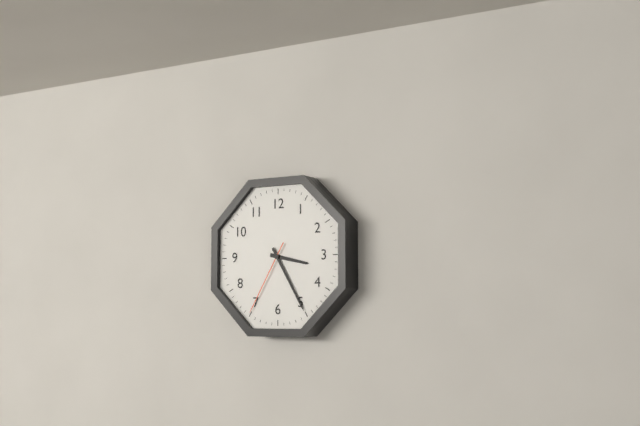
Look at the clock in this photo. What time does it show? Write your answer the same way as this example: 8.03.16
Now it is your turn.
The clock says 3.25.35
